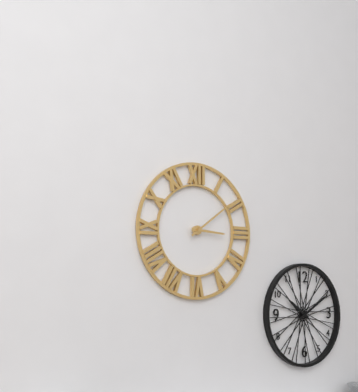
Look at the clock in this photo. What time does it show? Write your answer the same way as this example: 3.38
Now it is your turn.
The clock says 3.09
